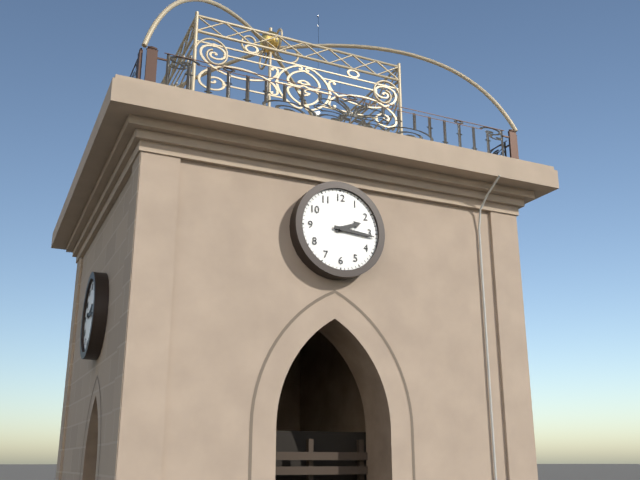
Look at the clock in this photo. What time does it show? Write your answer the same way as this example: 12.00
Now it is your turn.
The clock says 2.16
